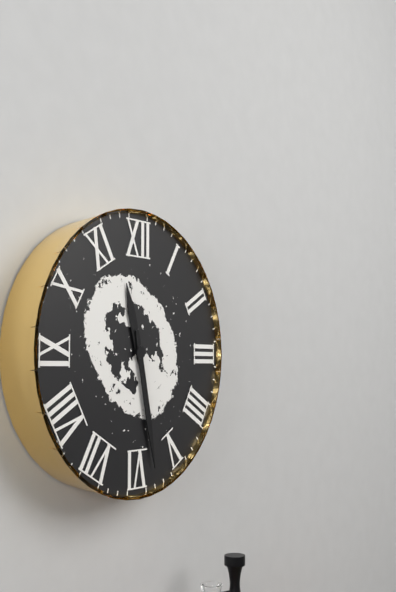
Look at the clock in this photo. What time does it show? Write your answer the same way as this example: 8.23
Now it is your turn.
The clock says 11.28
